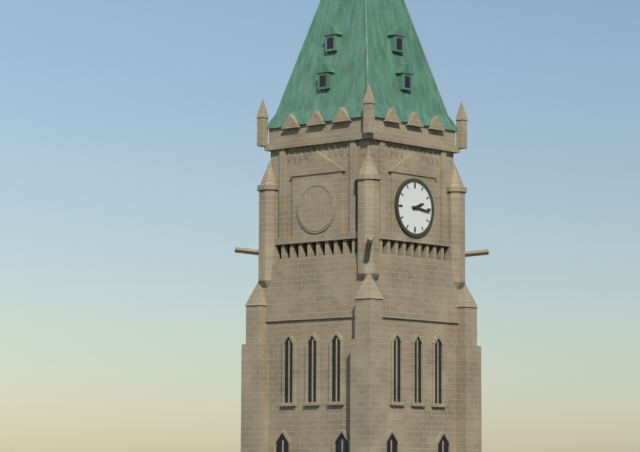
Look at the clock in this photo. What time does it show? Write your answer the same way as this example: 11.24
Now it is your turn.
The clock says 2.16
